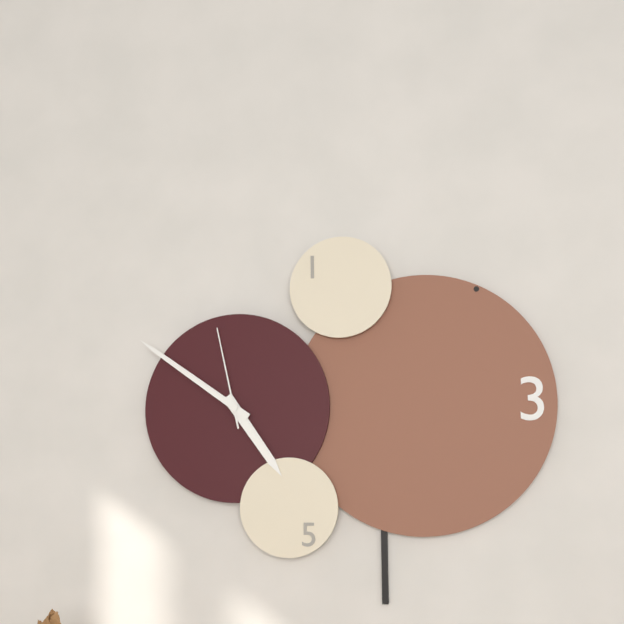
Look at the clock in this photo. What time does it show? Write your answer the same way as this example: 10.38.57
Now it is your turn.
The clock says 4.51.58
